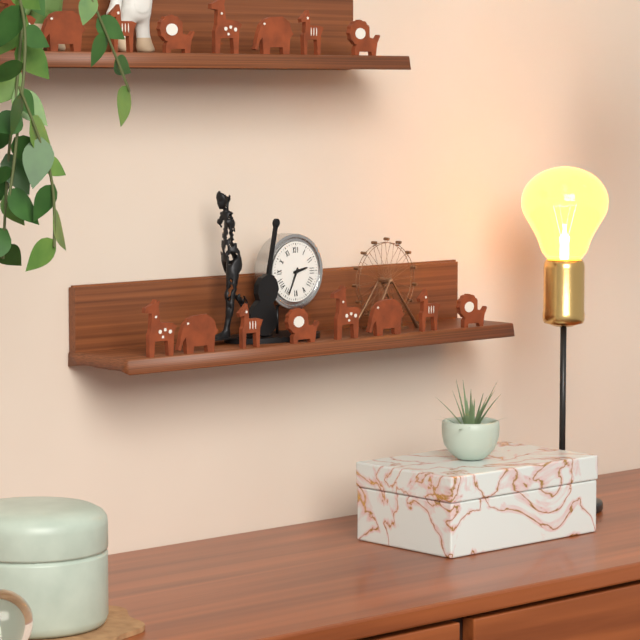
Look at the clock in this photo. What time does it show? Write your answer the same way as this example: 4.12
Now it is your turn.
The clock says 2.34
